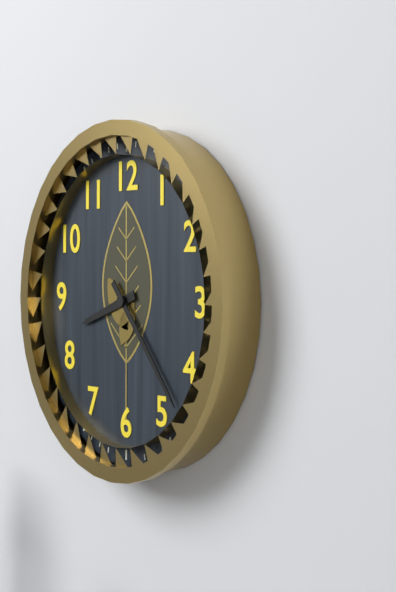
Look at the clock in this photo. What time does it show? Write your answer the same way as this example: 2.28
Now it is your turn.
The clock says 8.23
